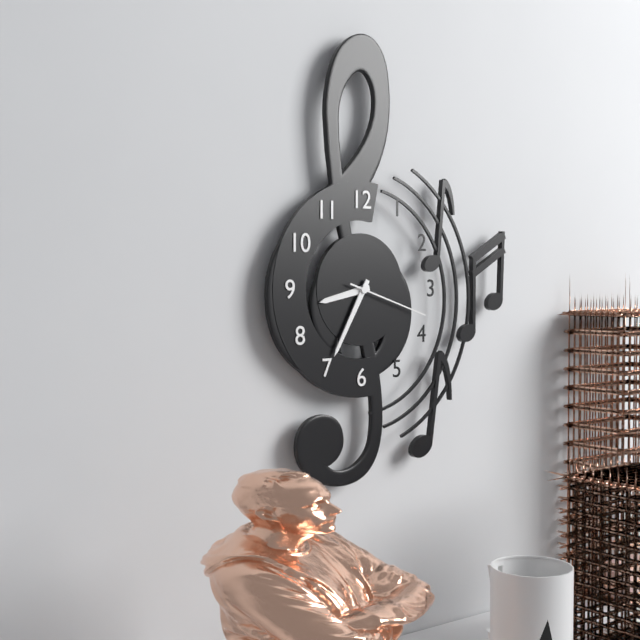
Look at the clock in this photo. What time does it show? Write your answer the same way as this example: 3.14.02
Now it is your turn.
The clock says 8.35.18
